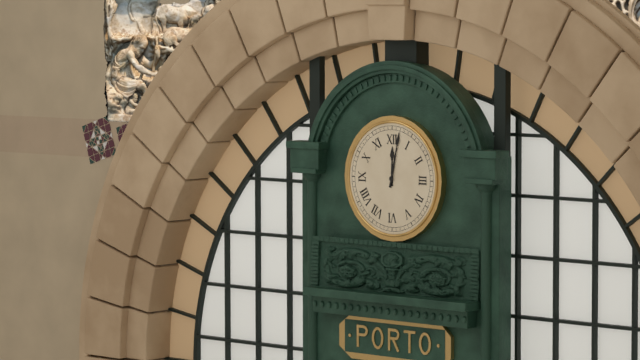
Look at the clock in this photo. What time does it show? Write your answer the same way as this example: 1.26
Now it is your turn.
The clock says 12.02
